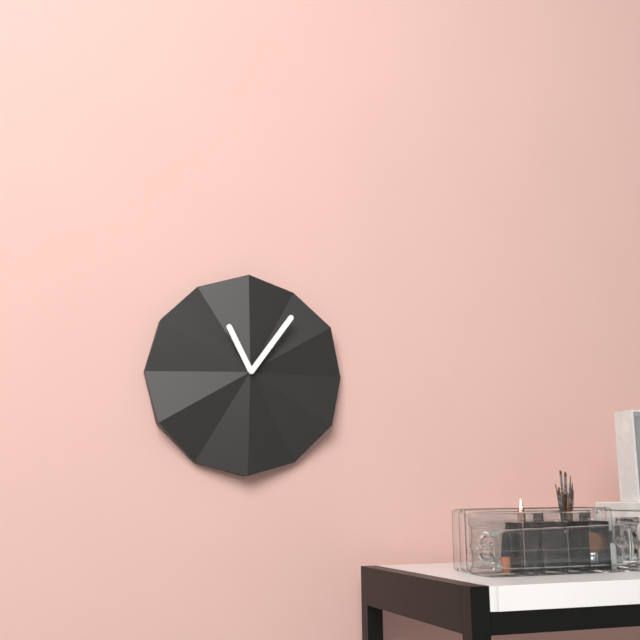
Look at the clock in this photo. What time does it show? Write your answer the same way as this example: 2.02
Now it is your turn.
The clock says 11.06
